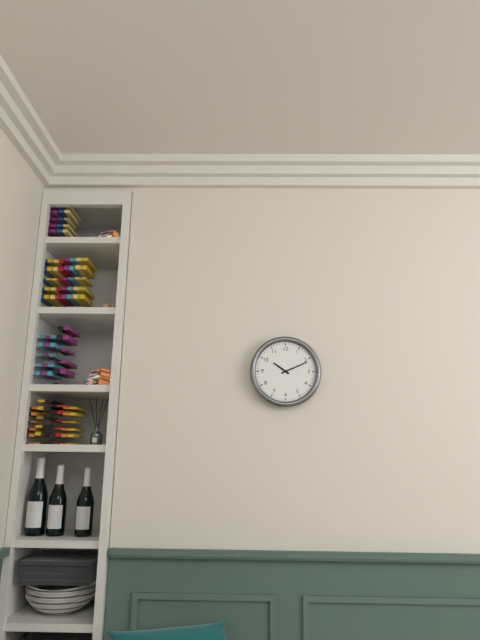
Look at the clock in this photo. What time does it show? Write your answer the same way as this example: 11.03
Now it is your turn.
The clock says 10.11
